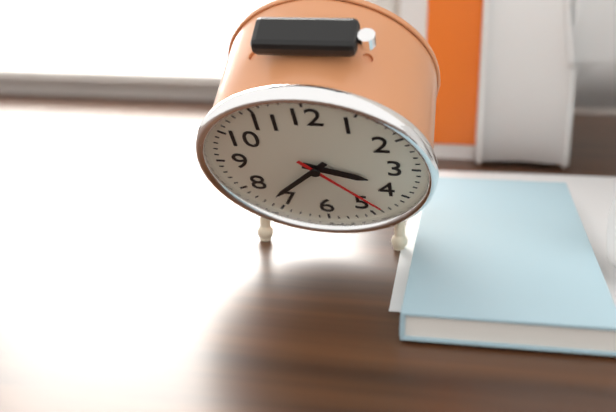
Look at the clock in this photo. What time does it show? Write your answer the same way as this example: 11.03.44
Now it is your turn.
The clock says 3.37.23
